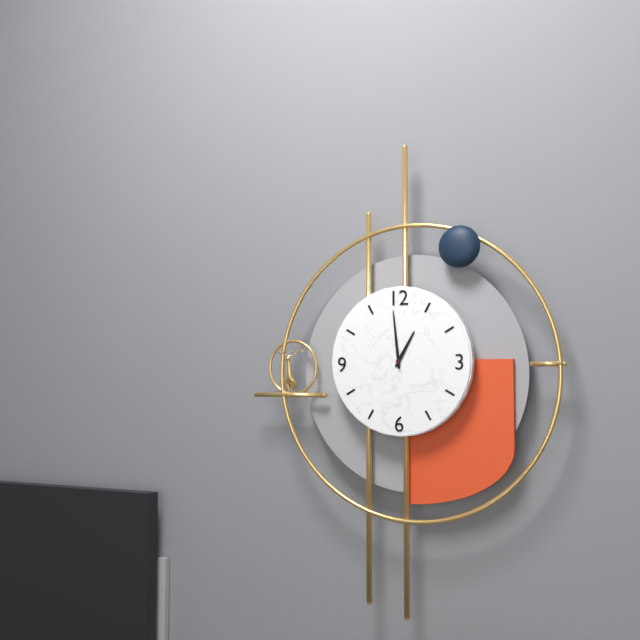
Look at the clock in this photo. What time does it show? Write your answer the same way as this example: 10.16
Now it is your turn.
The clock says 12.59
